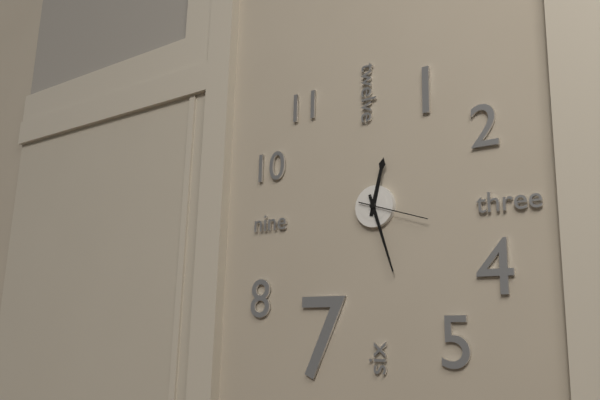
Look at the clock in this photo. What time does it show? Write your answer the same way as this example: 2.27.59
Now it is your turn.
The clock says 12.27.18
